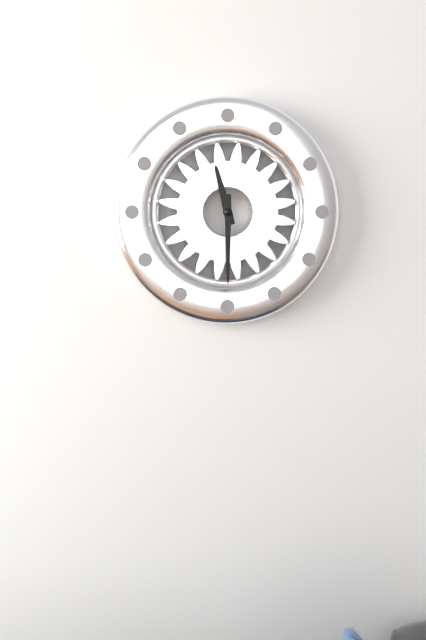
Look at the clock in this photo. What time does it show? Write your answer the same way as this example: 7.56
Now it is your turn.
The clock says 11.30
